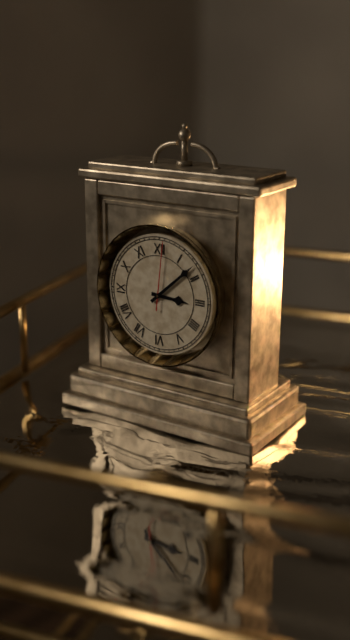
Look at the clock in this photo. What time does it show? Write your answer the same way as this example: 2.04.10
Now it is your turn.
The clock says 3.08.01
